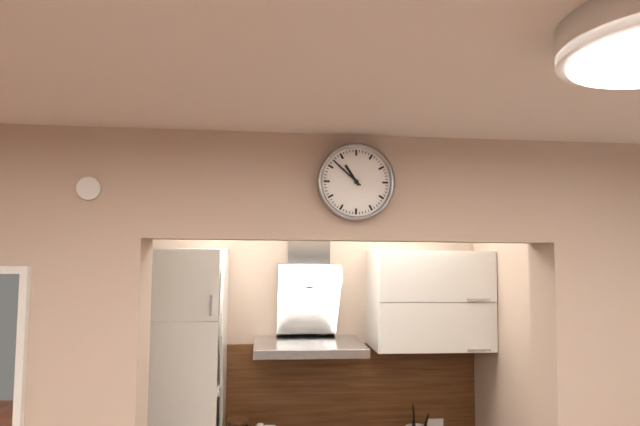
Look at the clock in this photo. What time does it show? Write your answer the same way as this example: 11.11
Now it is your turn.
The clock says 10.52
